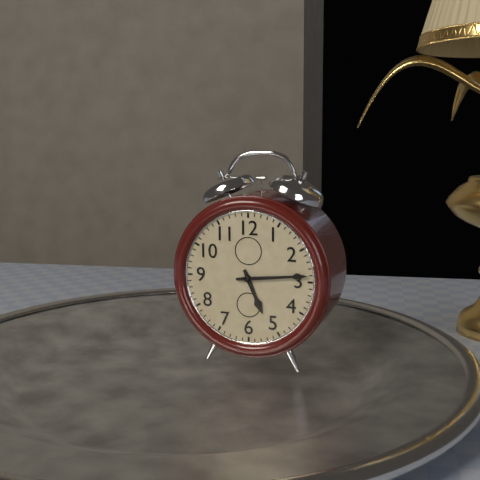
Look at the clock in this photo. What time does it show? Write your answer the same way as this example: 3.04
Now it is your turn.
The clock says 5.14
